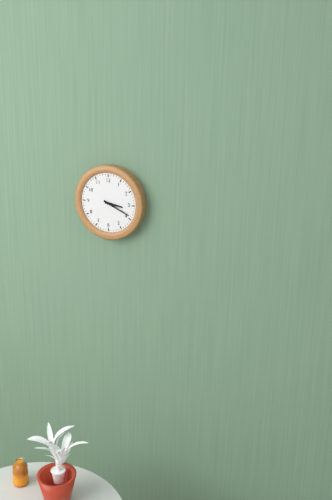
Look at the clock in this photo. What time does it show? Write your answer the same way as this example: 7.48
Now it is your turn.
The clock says 3.19
